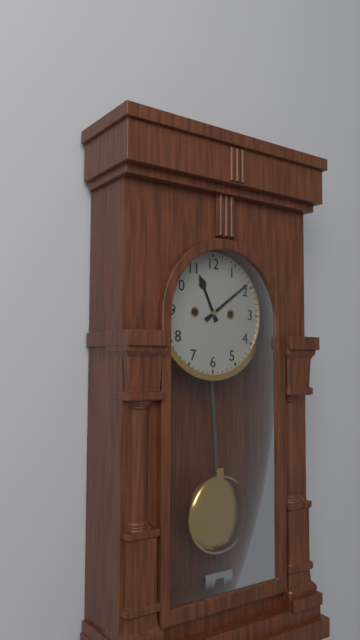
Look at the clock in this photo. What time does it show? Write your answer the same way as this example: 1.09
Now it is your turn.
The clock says 11.09
